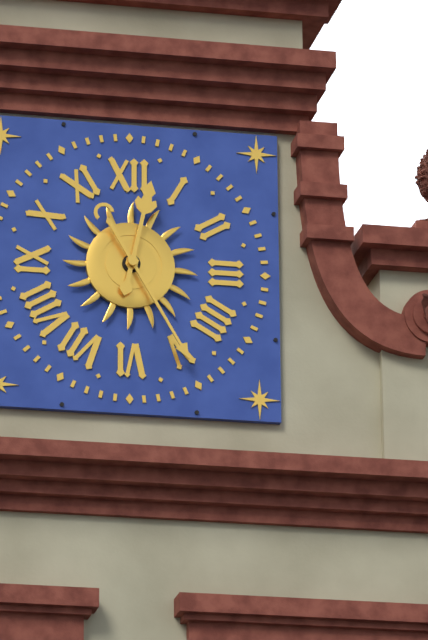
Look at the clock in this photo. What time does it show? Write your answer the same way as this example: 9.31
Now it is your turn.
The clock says 12.25
